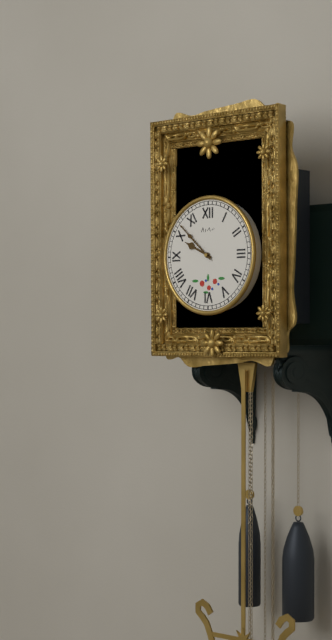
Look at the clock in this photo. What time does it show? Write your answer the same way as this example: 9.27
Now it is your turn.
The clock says 9.52
